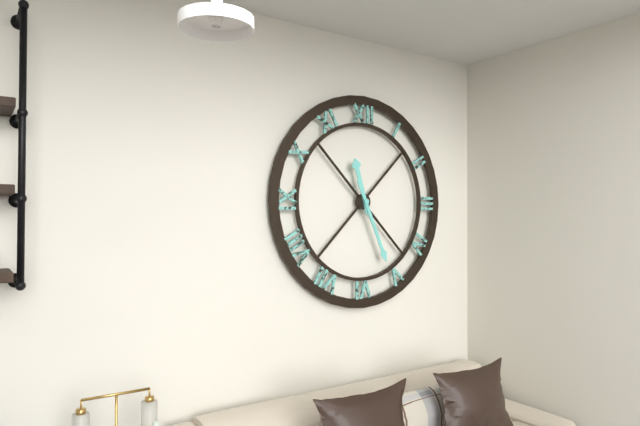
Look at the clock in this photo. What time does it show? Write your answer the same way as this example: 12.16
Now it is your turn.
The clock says 11.26
